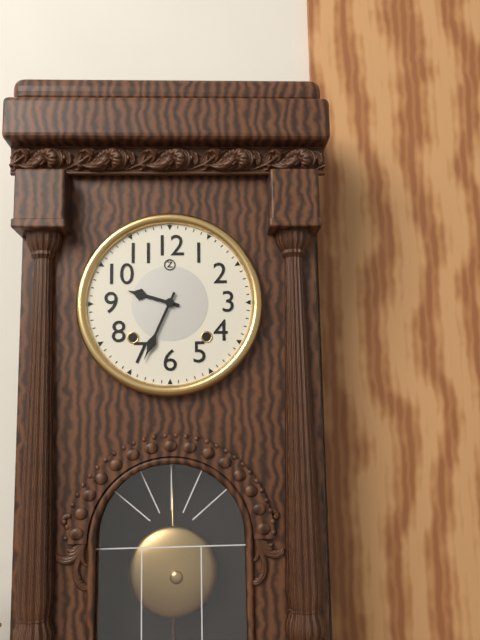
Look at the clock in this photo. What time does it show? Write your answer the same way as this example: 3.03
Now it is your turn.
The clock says 9.34
